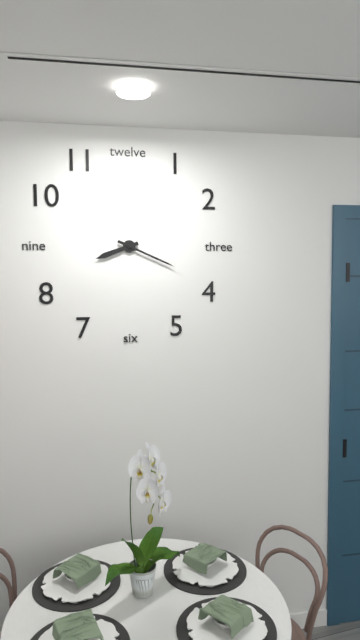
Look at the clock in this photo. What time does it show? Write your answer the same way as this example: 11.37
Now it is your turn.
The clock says 8.19
